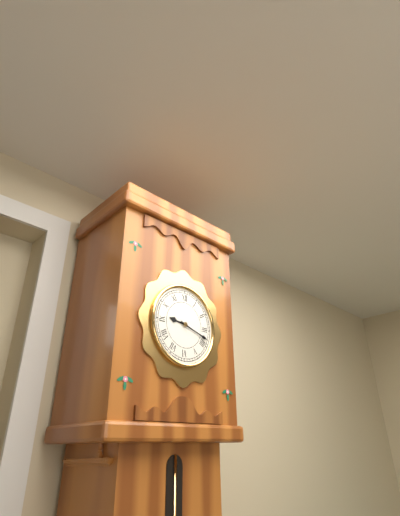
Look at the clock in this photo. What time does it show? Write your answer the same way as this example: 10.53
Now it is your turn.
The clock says 9.18
